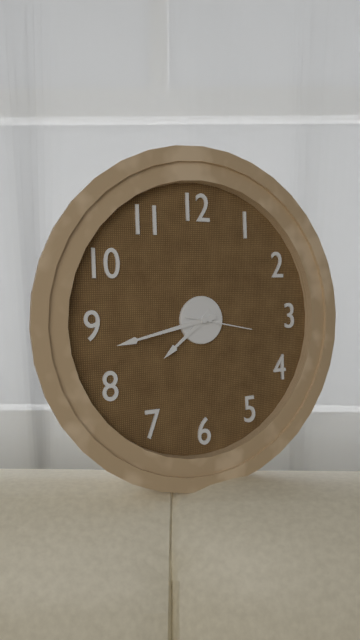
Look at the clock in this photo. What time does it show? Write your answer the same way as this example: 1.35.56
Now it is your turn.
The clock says 7.43.17
